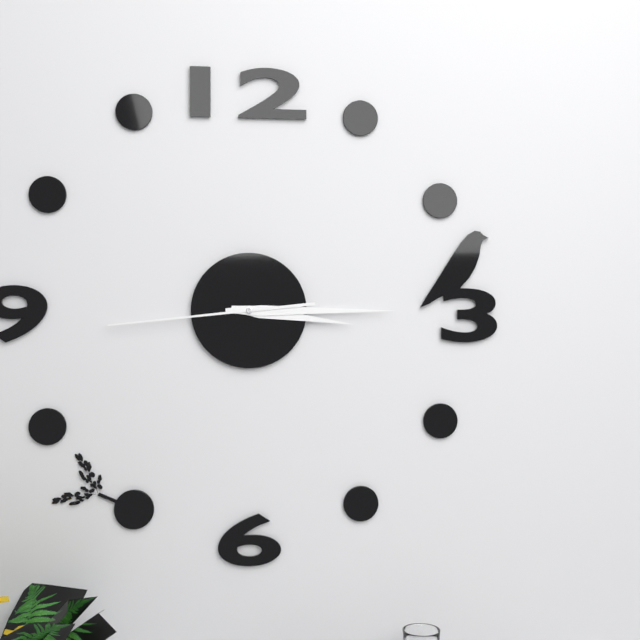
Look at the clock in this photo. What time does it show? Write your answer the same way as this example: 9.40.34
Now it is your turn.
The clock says 3.15.44
